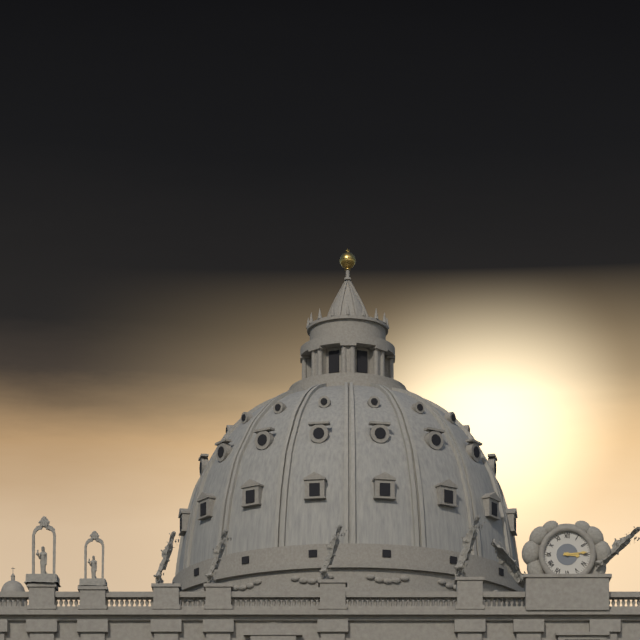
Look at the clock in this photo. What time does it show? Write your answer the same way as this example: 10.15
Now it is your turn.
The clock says 3.14
